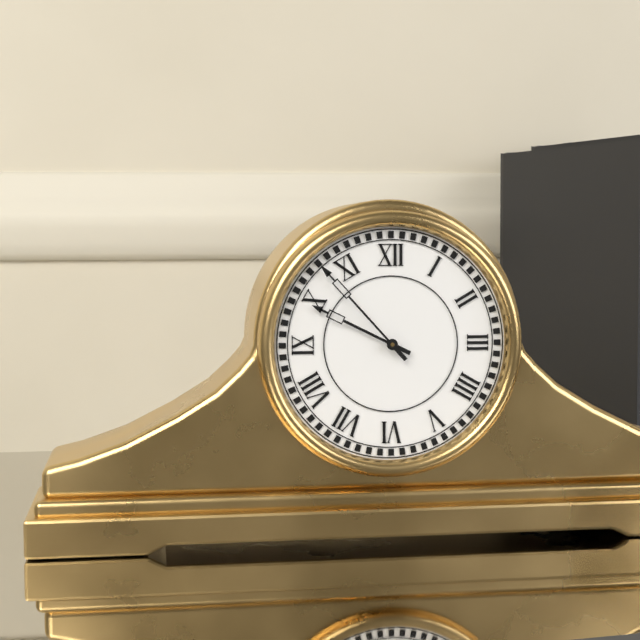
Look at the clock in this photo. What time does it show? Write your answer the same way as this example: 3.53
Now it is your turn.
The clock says 9.53
